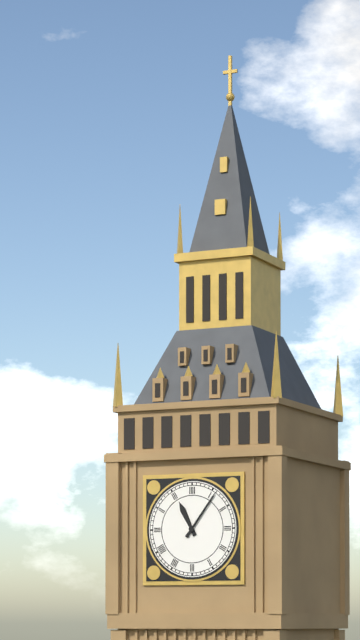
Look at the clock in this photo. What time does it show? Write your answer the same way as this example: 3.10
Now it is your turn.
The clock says 11.06
